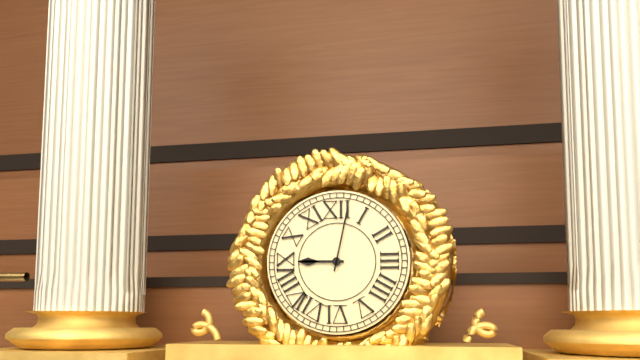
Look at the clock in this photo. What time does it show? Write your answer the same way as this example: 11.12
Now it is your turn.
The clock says 9.02
